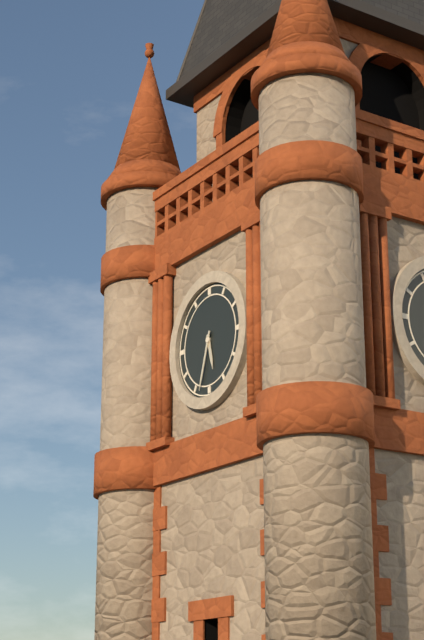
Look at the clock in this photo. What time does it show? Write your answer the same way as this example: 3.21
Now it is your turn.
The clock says 5.33
